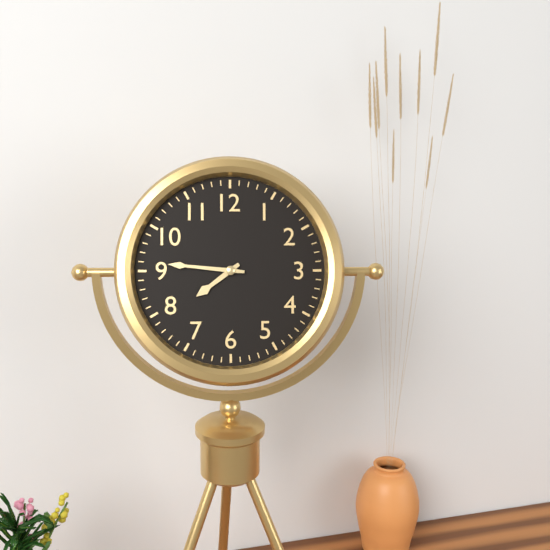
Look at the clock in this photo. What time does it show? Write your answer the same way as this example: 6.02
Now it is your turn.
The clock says 7.46
